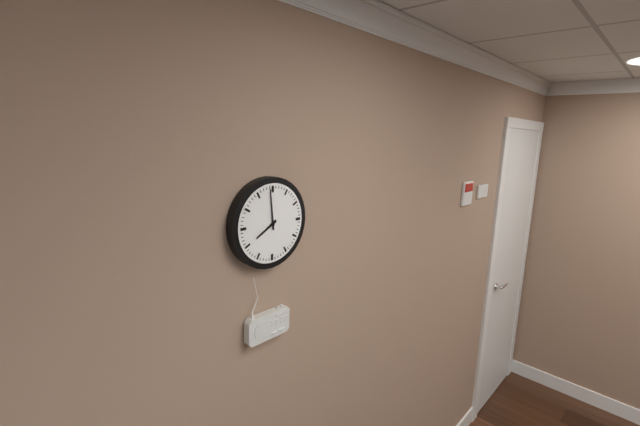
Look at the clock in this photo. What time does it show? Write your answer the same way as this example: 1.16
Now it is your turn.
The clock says 7.59
